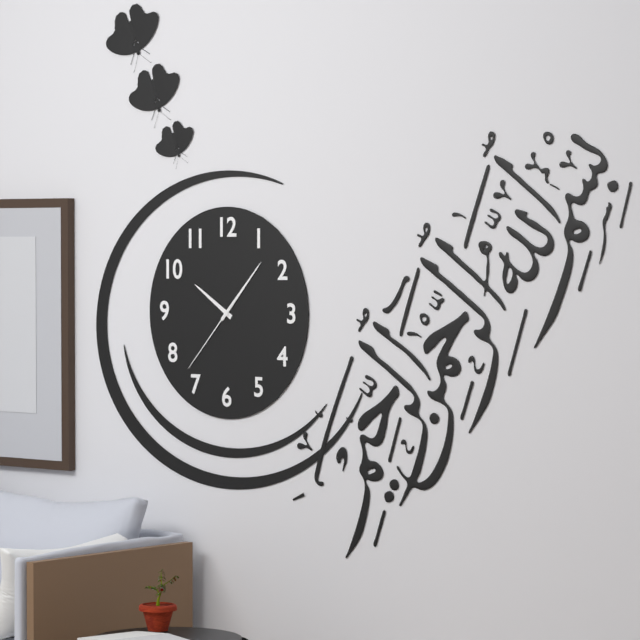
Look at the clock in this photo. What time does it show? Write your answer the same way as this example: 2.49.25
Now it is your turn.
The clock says 10.07.37
